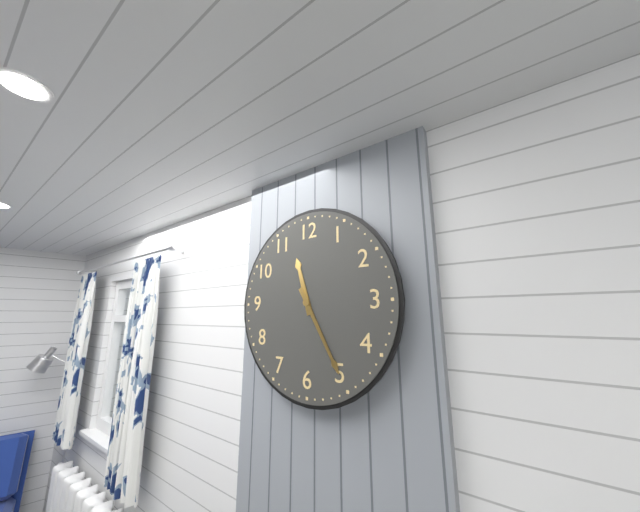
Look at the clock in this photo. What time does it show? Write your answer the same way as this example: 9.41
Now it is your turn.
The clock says 11.25
